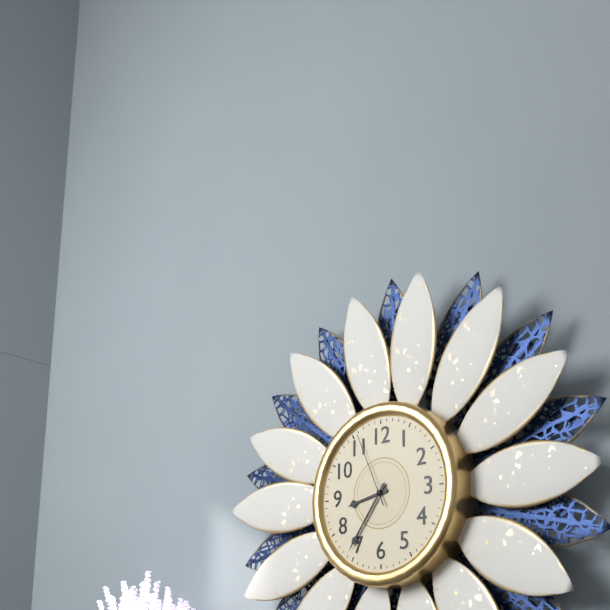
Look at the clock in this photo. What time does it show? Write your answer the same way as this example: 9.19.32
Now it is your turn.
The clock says 8.36.56
